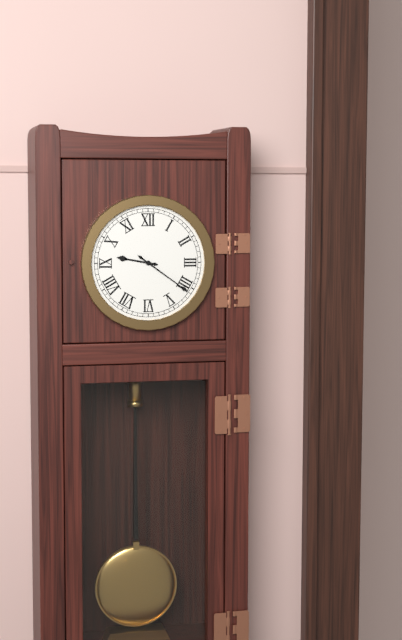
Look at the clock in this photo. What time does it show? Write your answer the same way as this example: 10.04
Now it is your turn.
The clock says 9.21
